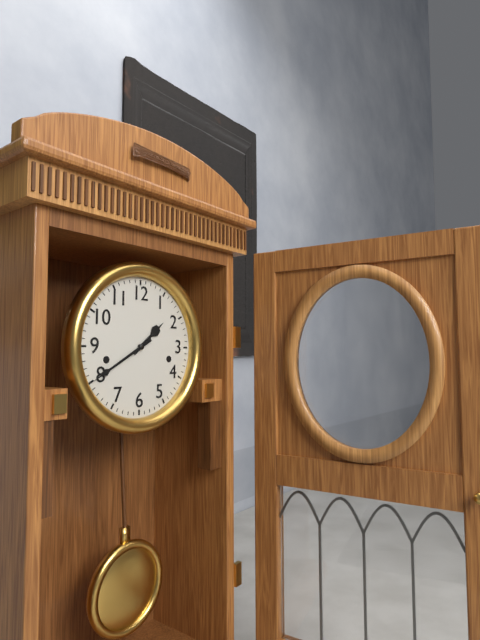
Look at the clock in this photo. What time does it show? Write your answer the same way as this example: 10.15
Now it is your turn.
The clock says 1.40
